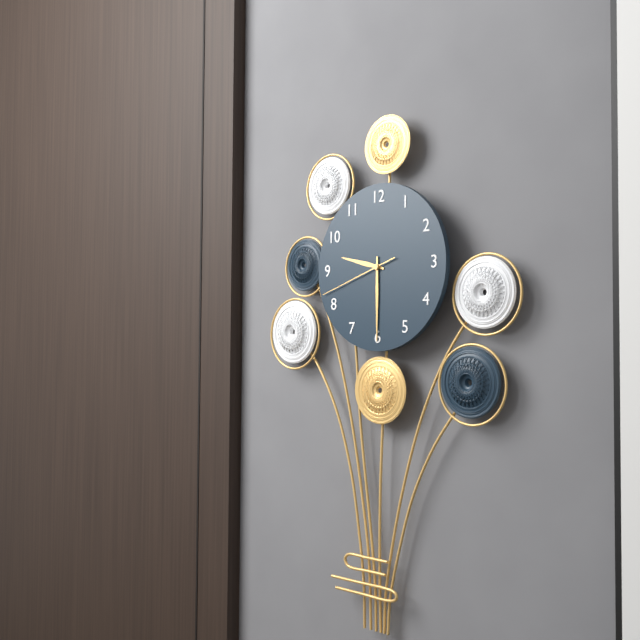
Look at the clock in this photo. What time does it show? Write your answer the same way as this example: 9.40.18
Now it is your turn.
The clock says 9.30.42
